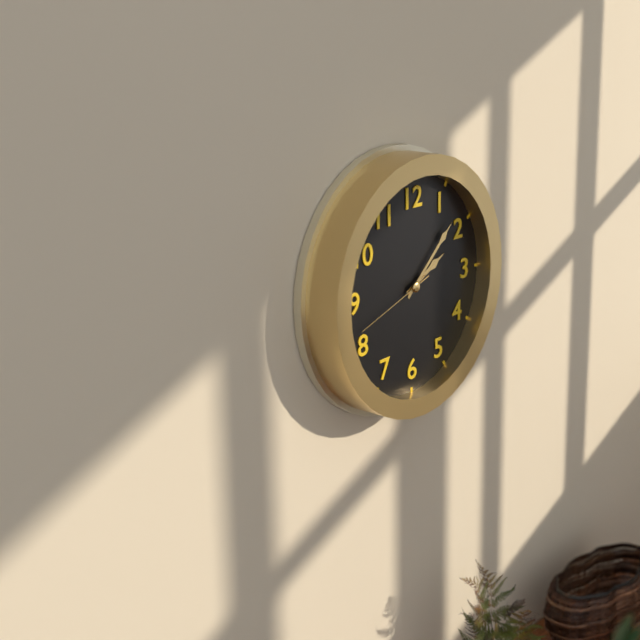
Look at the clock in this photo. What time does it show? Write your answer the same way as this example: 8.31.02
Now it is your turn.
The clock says 2.08.42
